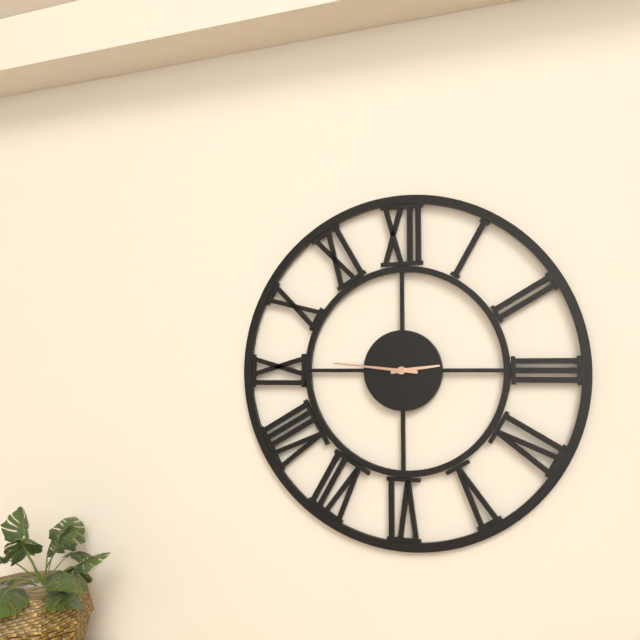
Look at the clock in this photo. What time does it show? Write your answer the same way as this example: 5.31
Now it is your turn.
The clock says 2.46
